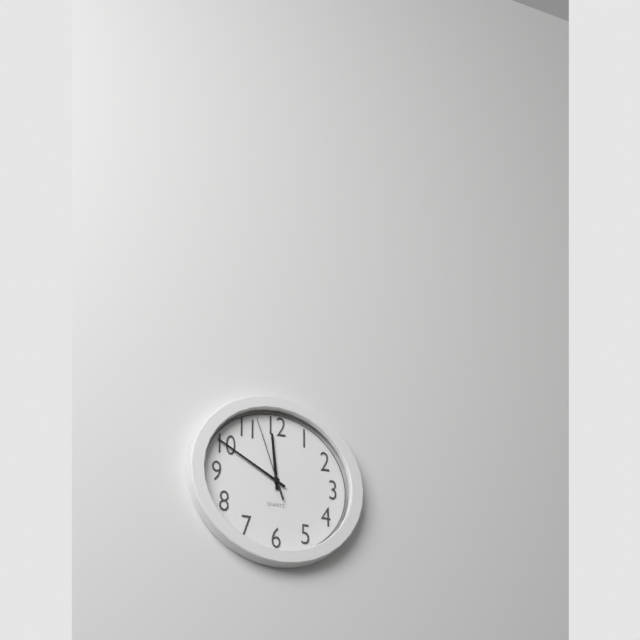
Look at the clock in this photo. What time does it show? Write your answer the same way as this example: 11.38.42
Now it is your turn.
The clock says 11.50.57
